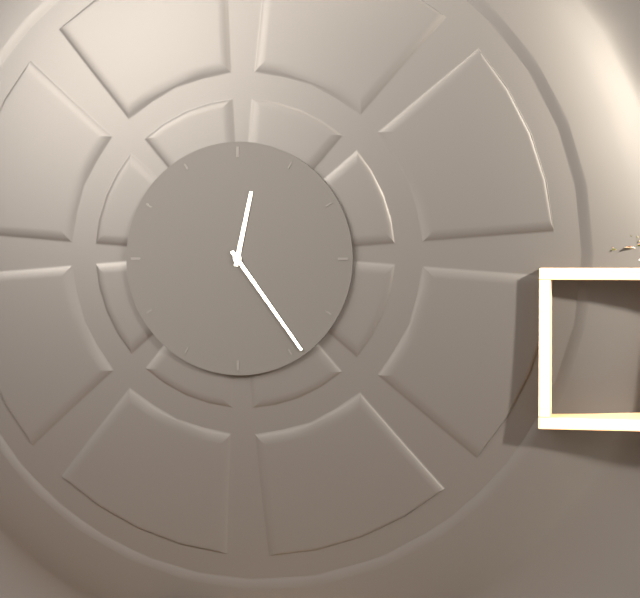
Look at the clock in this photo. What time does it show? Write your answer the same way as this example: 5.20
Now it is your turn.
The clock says 12.24
